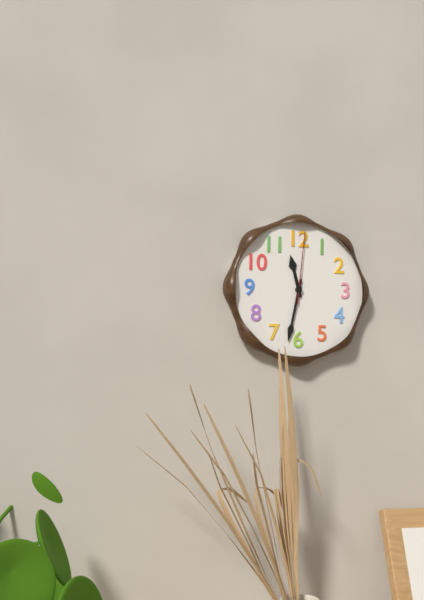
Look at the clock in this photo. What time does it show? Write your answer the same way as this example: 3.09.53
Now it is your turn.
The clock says 11.32.01
